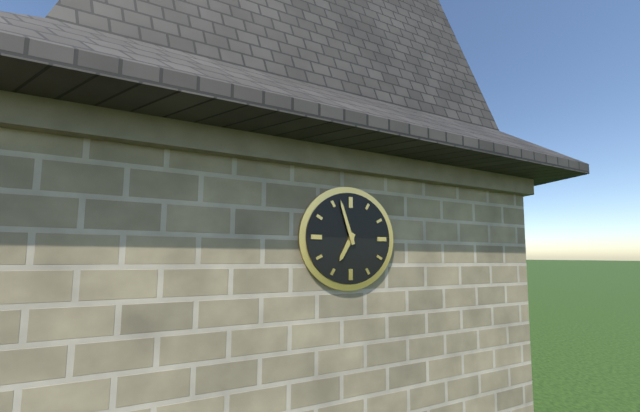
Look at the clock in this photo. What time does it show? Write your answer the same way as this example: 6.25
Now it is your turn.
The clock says 6.57
